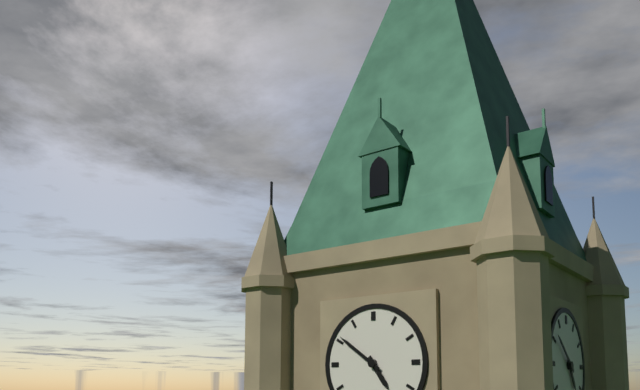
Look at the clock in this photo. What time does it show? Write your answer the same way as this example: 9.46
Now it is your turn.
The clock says 4.51
